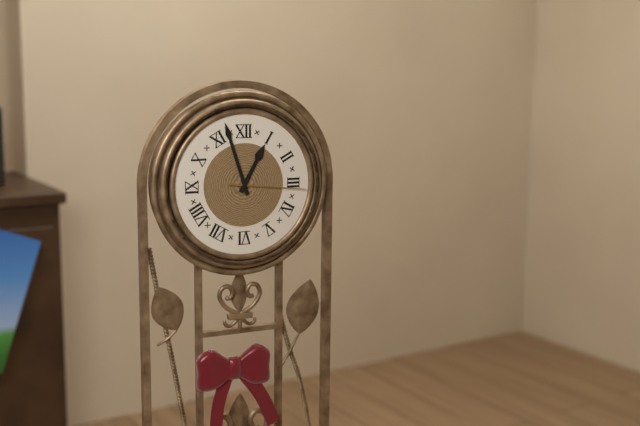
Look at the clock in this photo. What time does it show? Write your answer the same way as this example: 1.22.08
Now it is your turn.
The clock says 12.57.16
